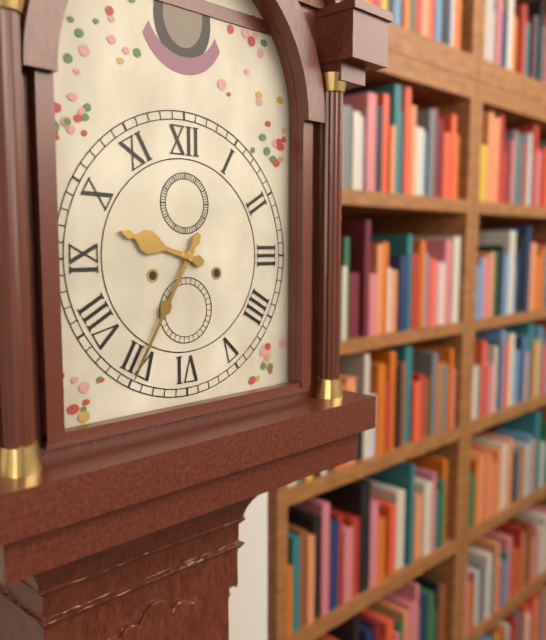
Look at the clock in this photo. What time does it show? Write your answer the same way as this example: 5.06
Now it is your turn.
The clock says 9.35
